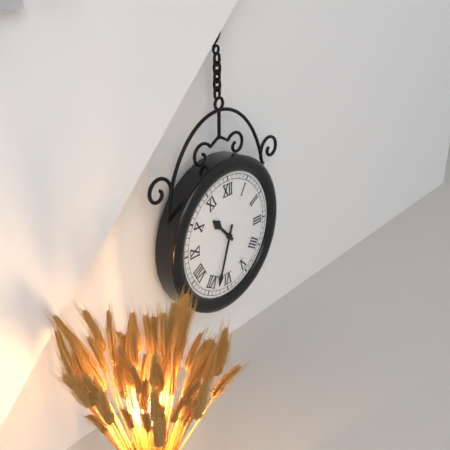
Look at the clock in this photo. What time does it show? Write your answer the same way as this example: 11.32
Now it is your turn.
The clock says 10.33
